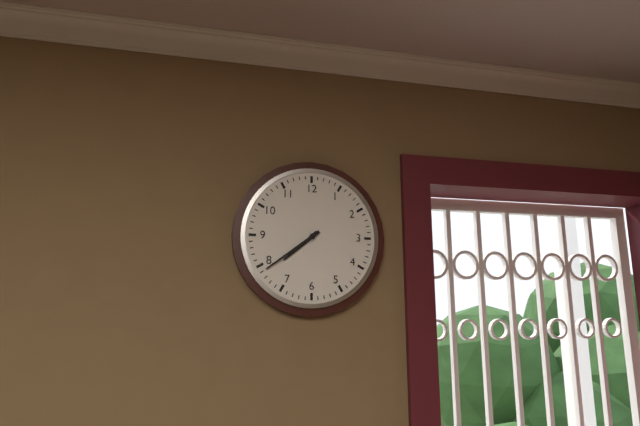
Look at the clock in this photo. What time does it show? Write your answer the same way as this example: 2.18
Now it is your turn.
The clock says 7.39
